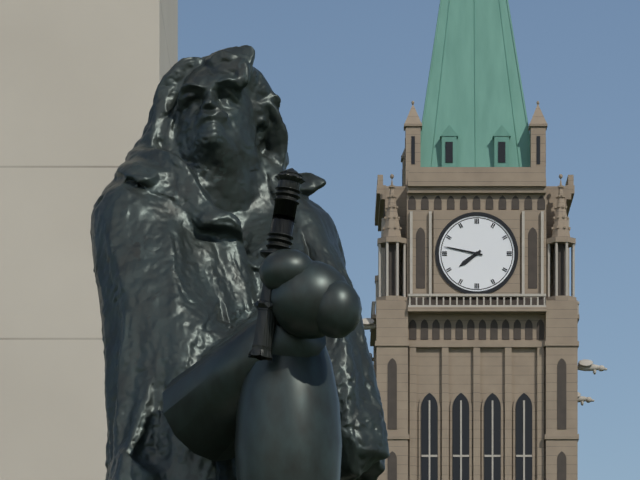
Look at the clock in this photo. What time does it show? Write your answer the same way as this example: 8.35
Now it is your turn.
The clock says 7.47
